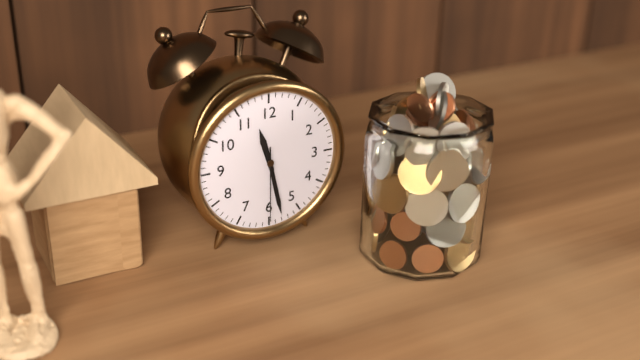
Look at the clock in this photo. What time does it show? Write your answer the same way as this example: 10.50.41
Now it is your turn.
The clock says 11.28.30
